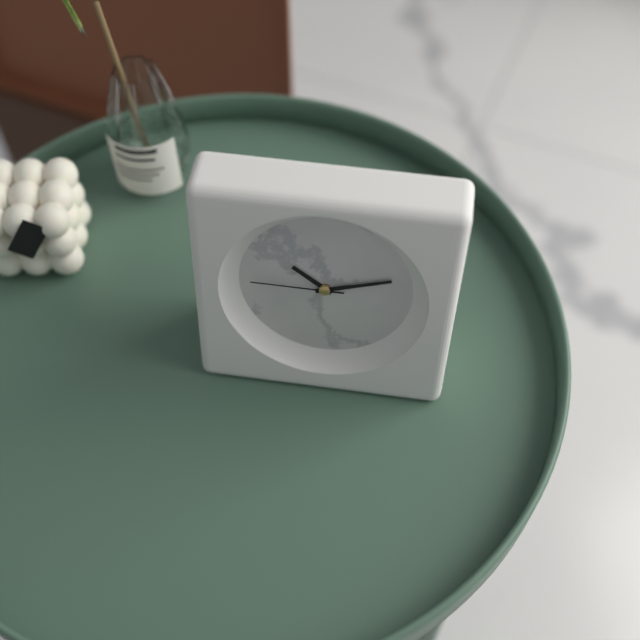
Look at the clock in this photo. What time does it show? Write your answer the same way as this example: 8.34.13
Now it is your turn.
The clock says 10.12.45
